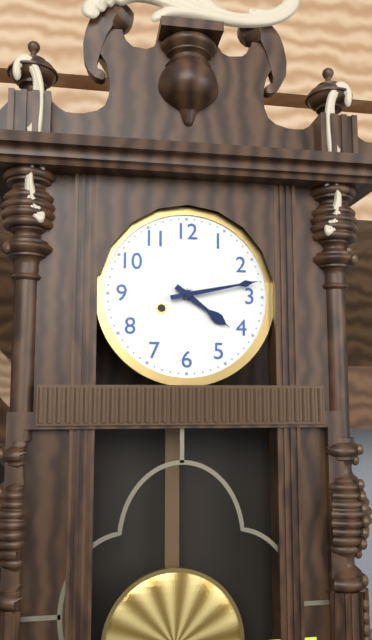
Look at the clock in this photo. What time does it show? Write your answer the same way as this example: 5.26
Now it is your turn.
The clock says 4.13
